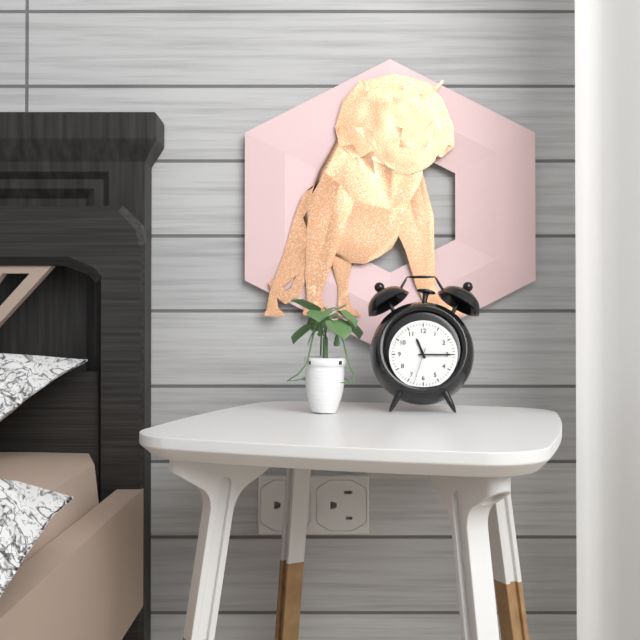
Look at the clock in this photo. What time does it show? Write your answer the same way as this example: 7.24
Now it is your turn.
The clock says 11.15
